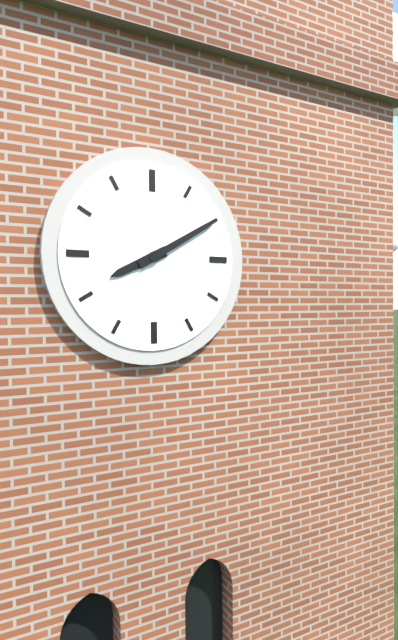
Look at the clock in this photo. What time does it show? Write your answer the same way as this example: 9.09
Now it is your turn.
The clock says 8.10
